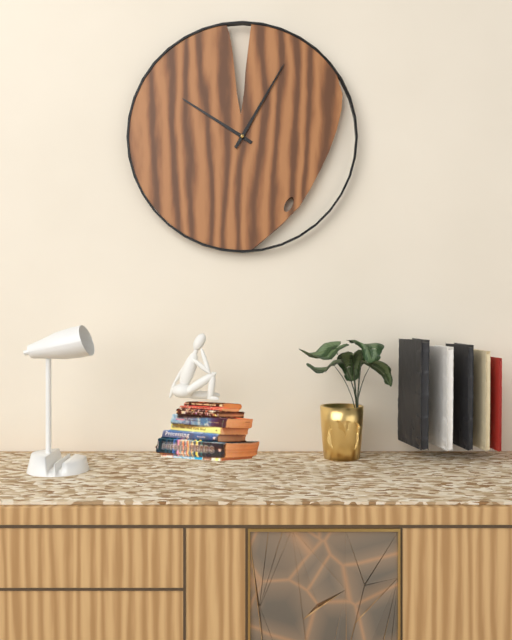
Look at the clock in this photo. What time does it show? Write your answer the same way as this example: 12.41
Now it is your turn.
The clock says 10.05
